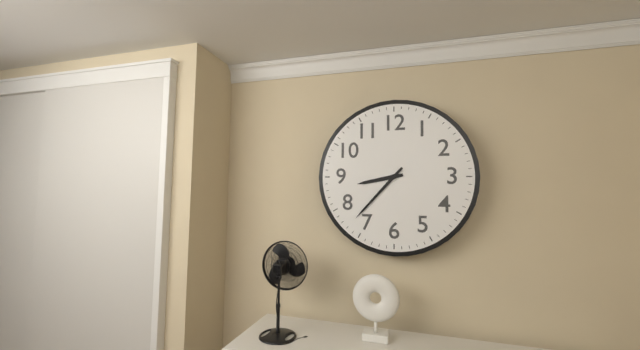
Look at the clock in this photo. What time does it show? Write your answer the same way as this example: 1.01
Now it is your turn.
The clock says 8.37
